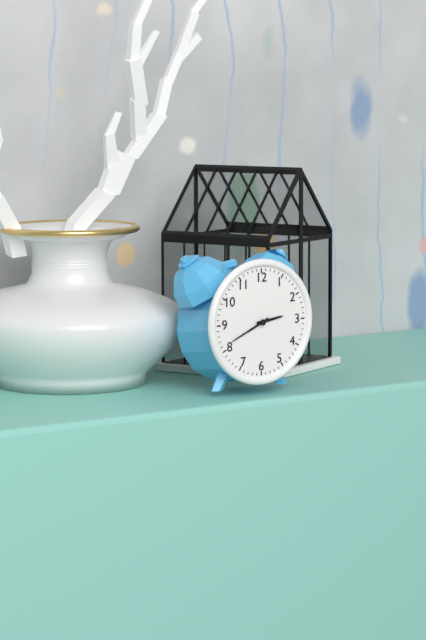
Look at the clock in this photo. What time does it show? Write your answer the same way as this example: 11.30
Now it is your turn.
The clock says 2.41
